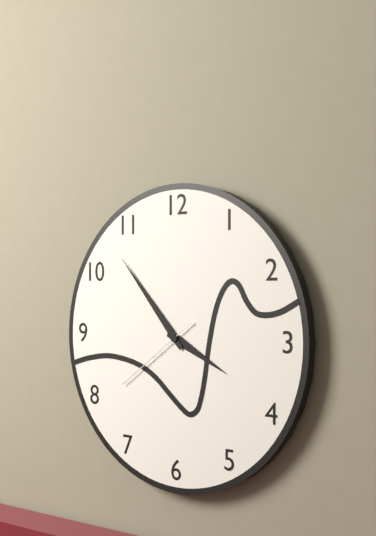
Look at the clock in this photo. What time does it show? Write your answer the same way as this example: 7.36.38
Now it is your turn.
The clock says 3.53.39
